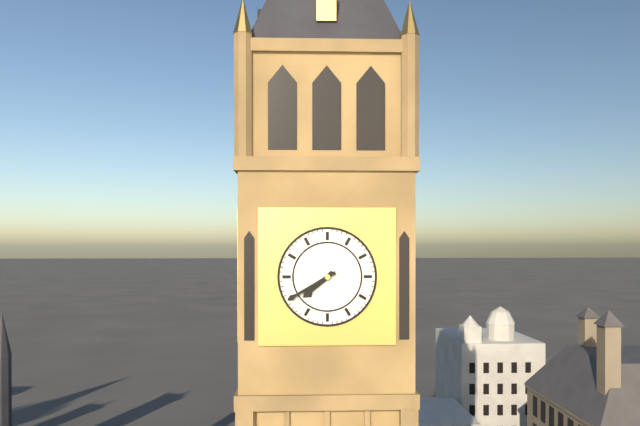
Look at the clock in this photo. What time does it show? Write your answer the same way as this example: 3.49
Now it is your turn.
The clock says 7.40
